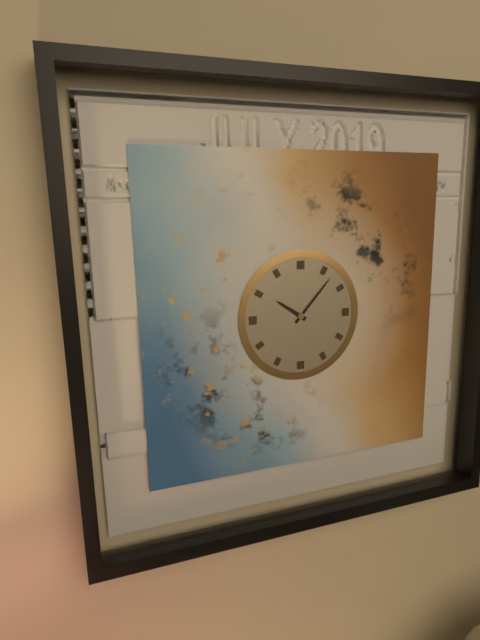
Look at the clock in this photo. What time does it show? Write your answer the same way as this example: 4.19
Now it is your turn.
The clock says 10.07
